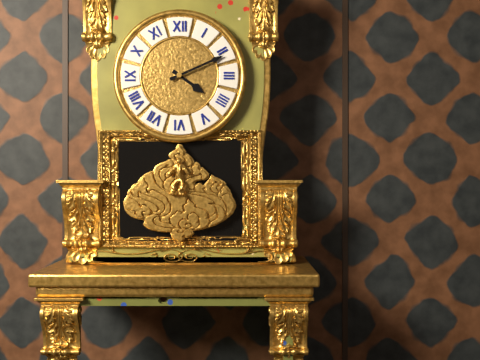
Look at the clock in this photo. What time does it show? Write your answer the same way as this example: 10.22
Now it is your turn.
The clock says 4.11
